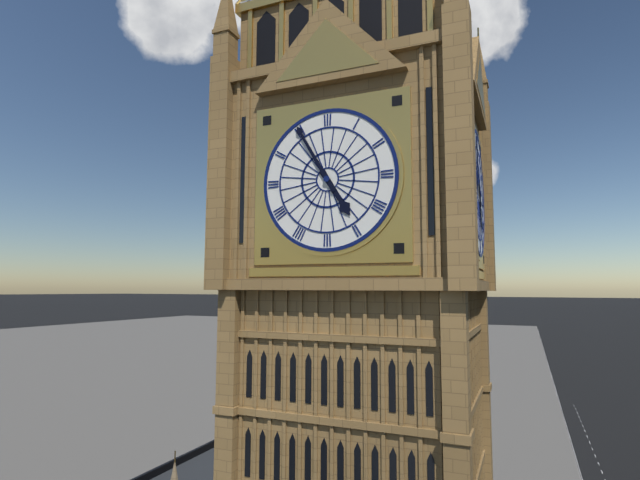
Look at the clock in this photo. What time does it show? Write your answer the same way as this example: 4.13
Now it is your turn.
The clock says 4.55
